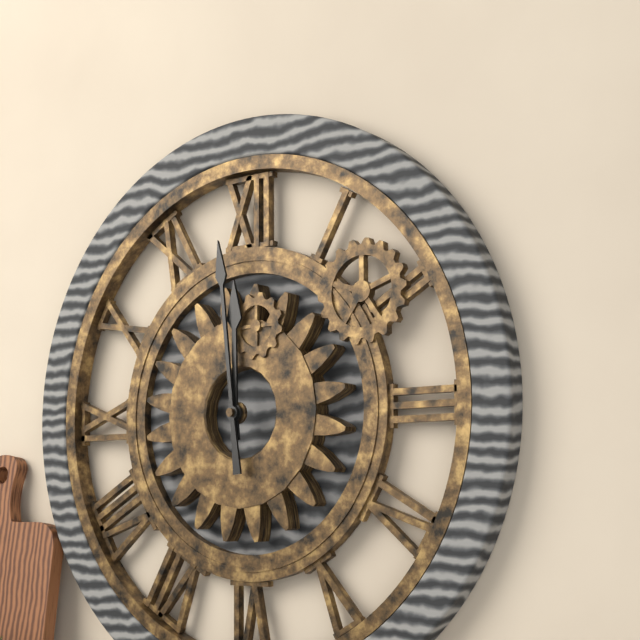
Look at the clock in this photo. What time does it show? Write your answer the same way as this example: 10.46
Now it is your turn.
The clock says 11.59
